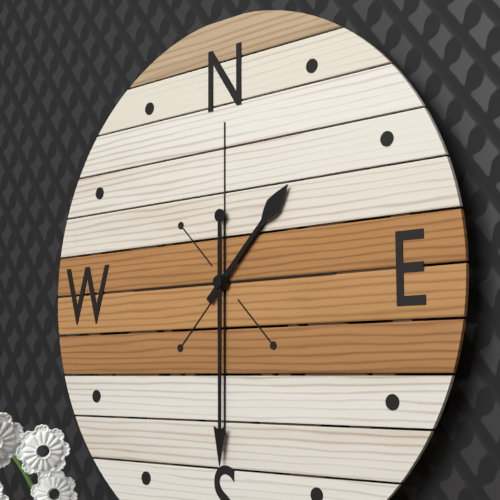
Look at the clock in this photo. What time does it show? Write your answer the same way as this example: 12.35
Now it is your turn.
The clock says 1.30
